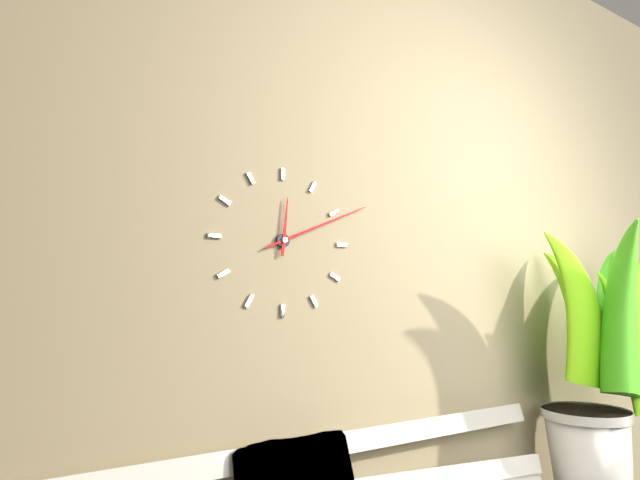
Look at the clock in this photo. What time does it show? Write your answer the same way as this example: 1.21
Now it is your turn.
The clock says 12.11
